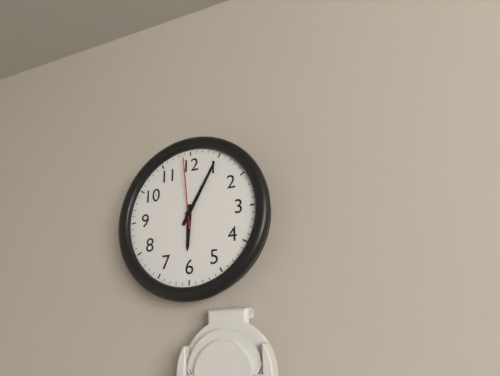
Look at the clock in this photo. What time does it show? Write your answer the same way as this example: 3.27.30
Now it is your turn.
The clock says 6.05.59
